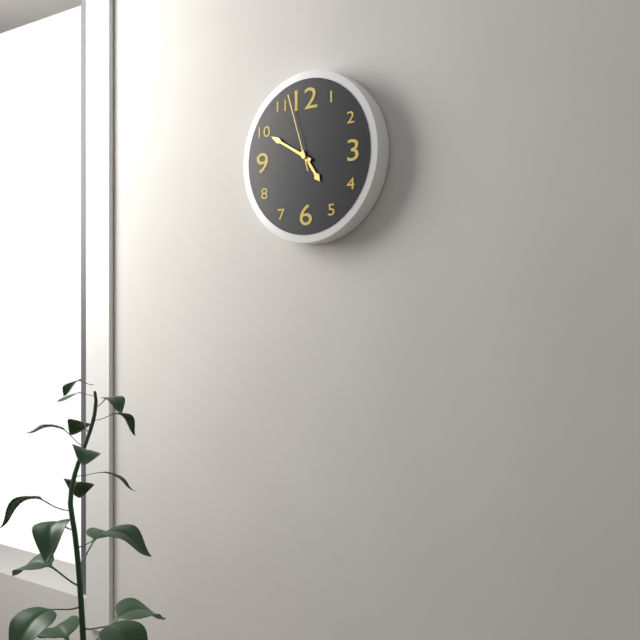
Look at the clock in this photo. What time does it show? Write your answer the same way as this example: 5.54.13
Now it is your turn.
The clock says 4.50.57
